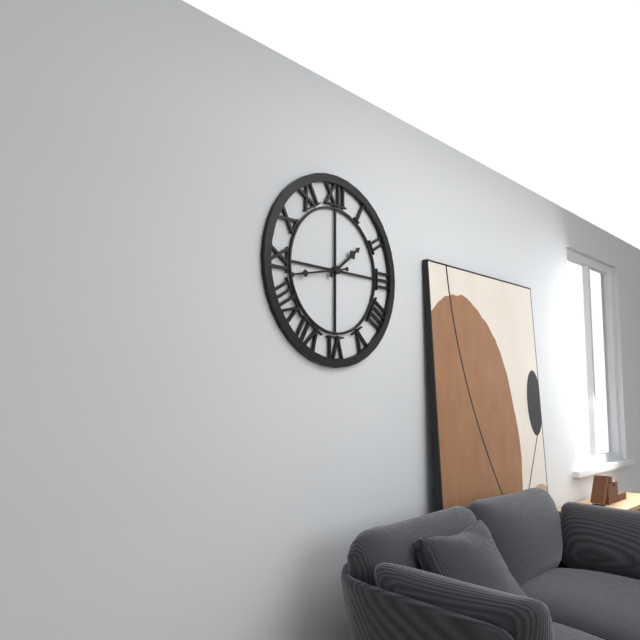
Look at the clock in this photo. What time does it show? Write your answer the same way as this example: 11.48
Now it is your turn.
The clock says 1.43
